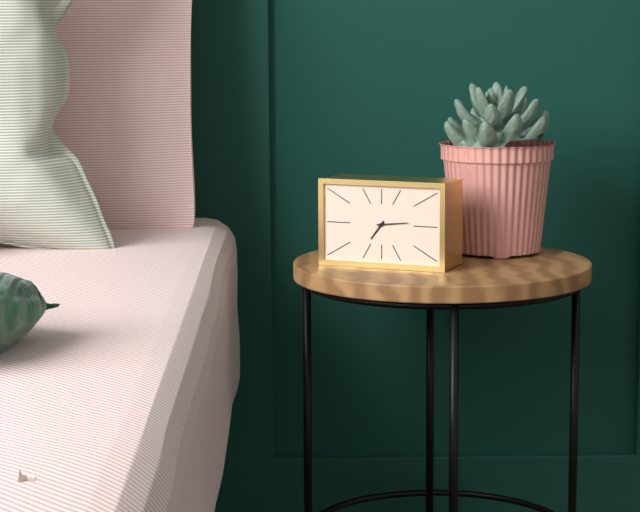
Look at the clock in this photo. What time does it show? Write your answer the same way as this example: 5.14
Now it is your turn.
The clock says 7.14
